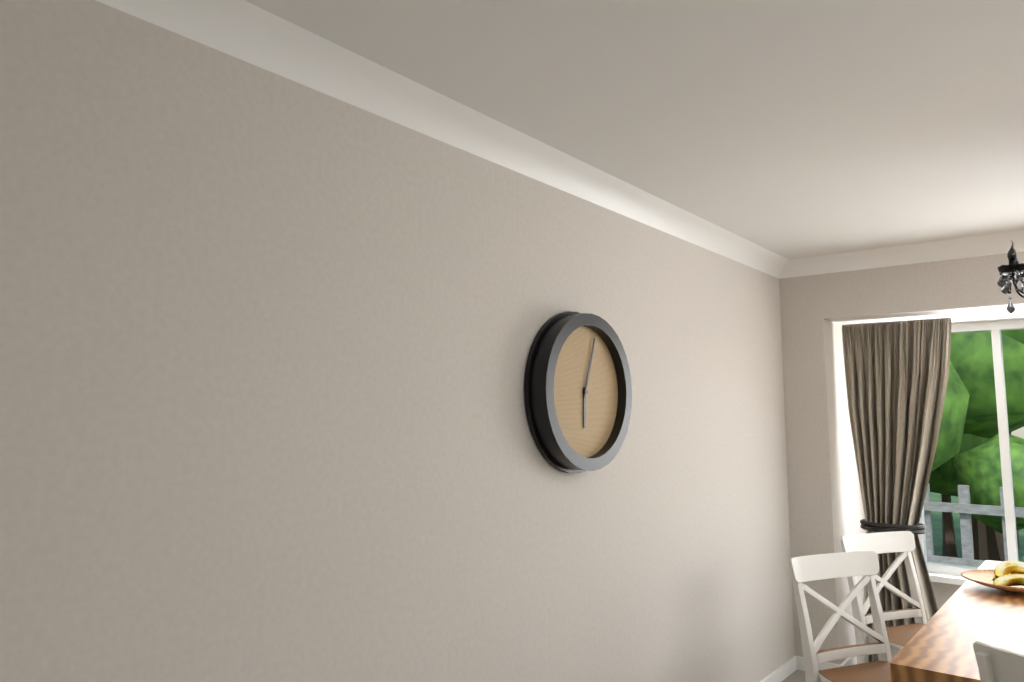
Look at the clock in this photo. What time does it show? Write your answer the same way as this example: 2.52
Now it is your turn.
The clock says 6.03
